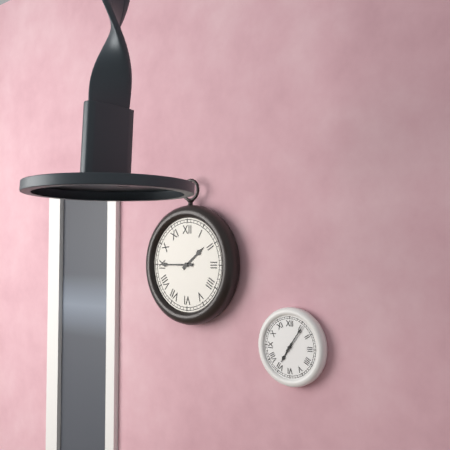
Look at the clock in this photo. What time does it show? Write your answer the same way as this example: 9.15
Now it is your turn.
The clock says 1.45
